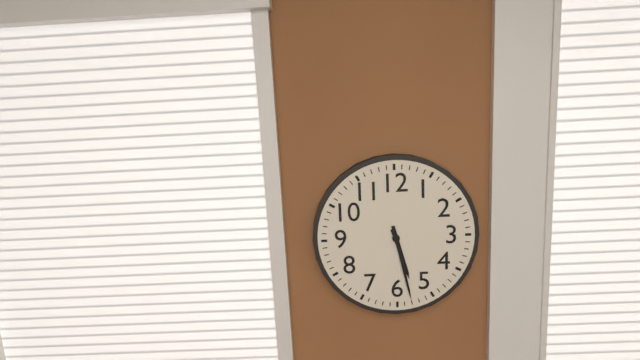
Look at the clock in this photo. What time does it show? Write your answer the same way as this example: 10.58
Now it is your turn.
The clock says 5.28
